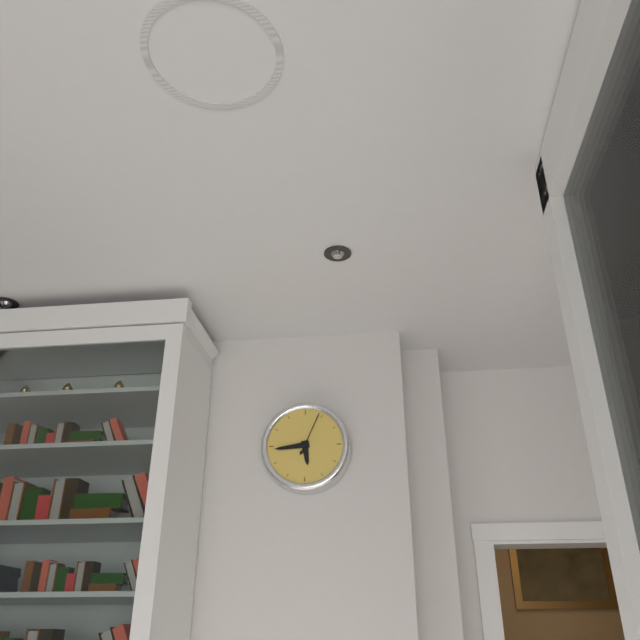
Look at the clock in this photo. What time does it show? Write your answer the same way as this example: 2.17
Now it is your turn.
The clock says 5.44
